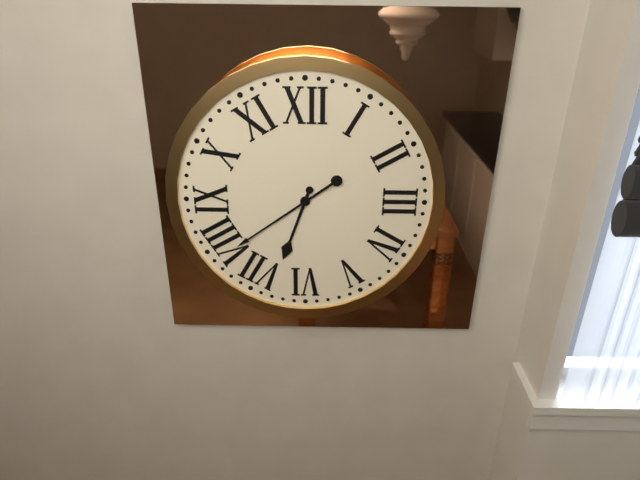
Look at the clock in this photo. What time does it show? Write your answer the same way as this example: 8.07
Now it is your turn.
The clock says 6.39
